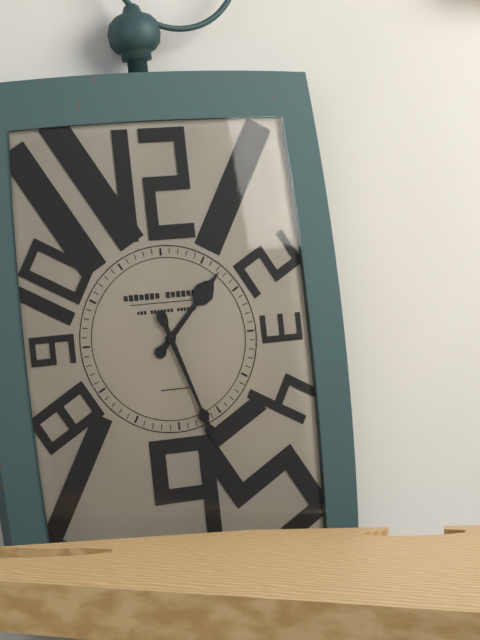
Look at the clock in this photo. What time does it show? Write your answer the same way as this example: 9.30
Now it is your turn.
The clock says 1.27
